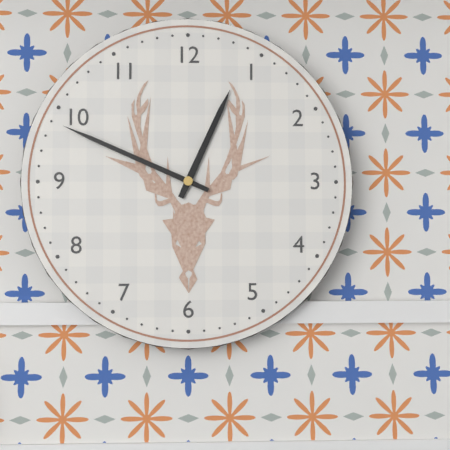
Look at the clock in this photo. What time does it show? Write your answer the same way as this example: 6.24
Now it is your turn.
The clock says 12.49
